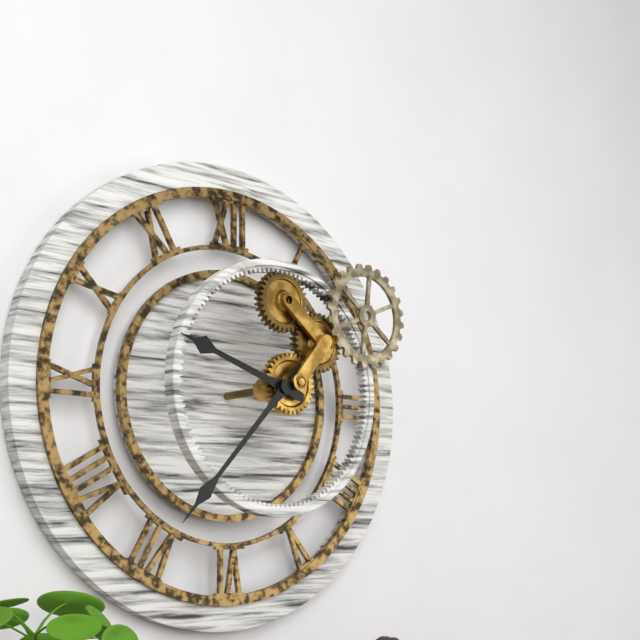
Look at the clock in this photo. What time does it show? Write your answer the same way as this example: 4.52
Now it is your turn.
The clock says 9.37
